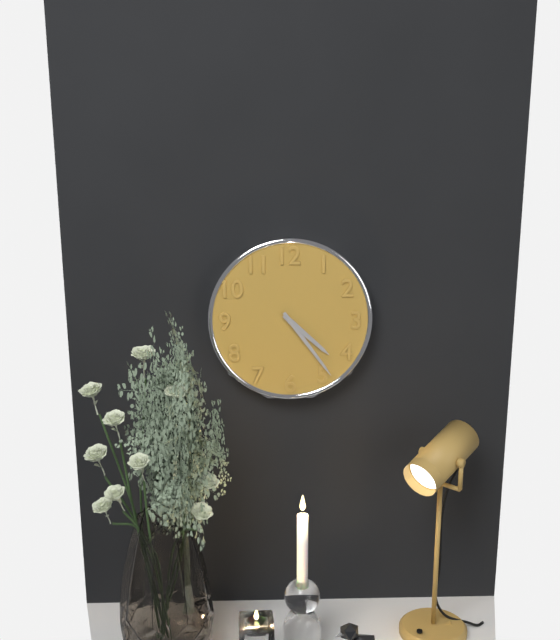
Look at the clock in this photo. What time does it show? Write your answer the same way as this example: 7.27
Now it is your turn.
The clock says 4.24
